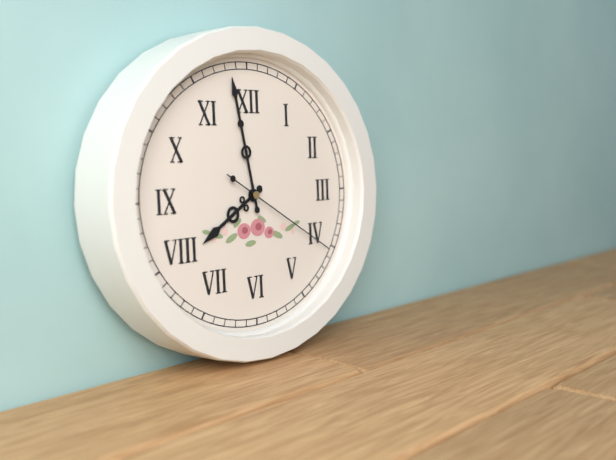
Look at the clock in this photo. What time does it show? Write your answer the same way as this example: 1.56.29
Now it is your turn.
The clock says 7.58.20
